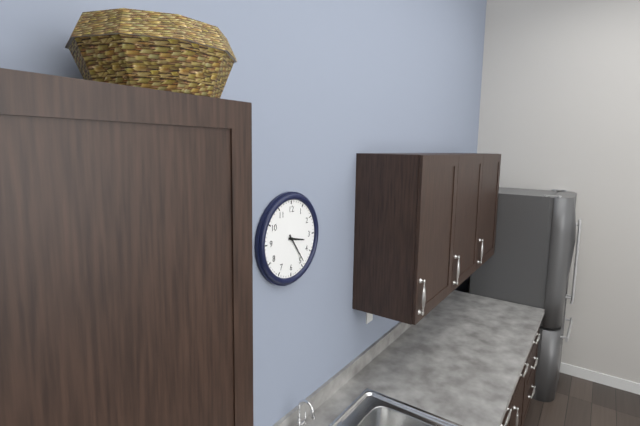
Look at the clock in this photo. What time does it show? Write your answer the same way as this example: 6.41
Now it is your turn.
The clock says 3.24
